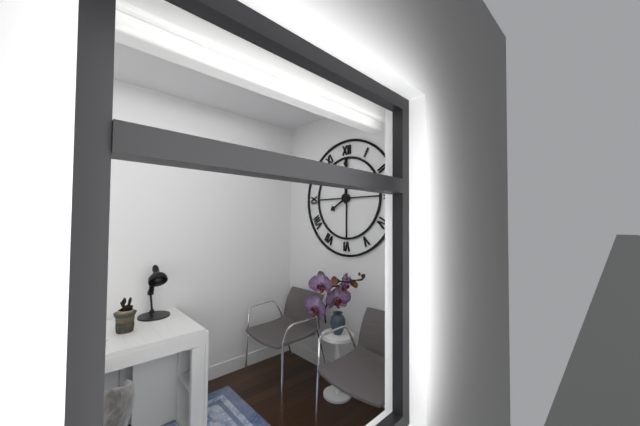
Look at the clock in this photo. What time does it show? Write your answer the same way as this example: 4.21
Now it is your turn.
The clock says 8.00
